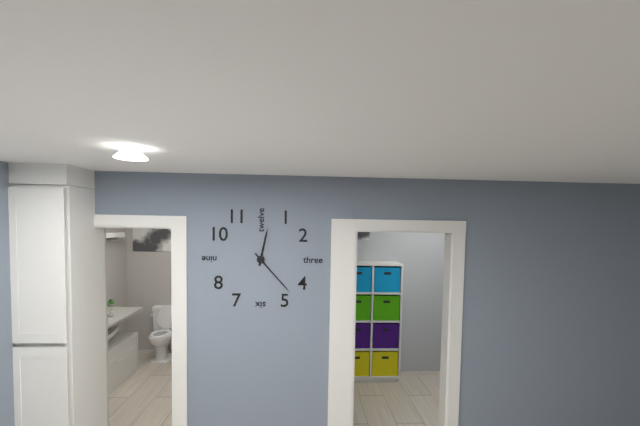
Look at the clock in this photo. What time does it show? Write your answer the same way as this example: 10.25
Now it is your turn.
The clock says 12.23
